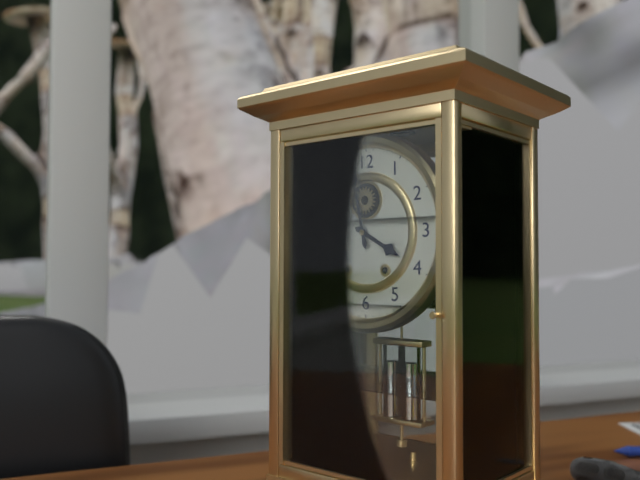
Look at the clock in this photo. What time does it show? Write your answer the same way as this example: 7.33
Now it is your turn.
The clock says 3.58
